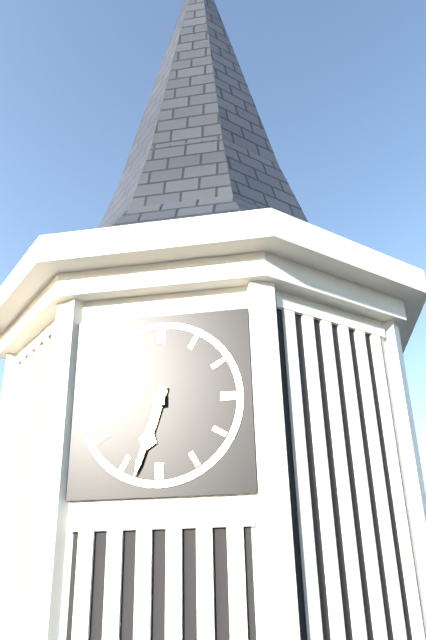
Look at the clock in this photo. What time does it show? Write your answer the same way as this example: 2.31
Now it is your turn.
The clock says 6.33
